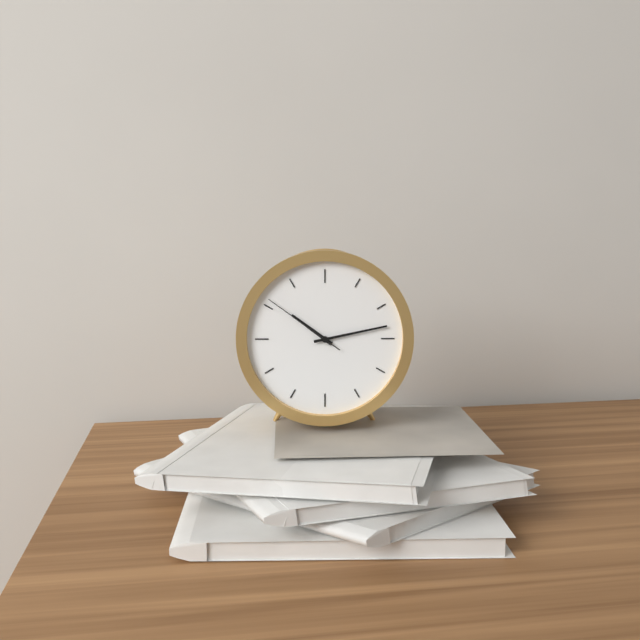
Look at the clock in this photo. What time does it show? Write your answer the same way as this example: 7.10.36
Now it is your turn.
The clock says 10.13.51
